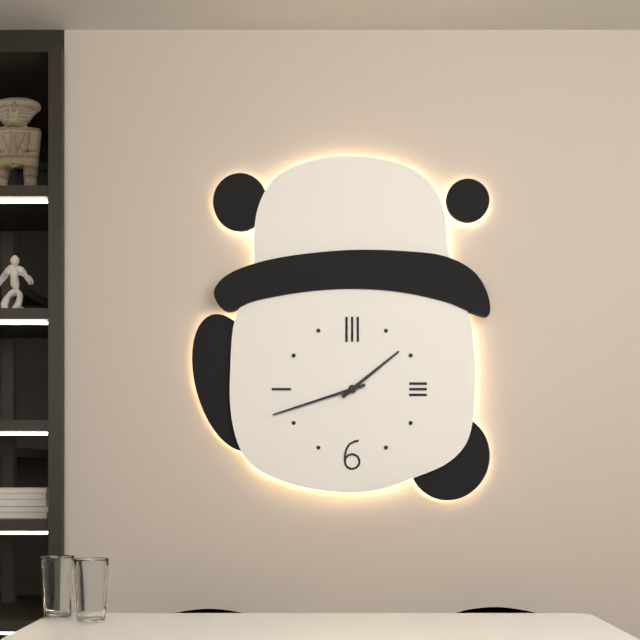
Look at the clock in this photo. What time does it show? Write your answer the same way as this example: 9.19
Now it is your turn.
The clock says 1.42
